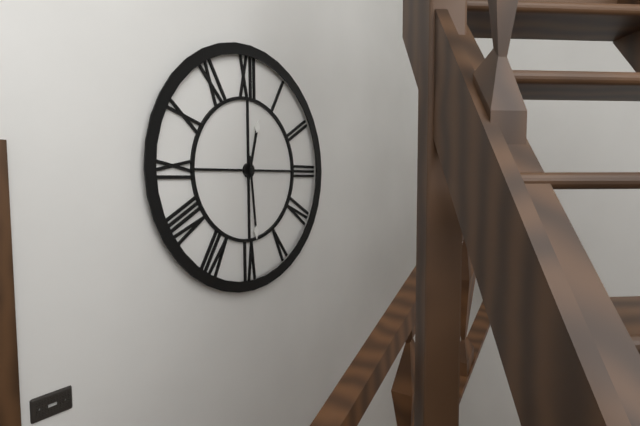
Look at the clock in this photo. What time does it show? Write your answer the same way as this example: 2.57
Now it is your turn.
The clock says 12.29
